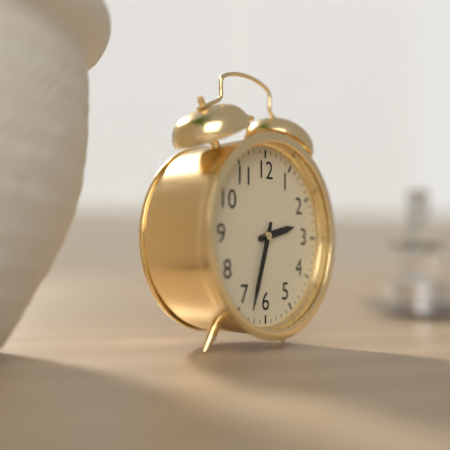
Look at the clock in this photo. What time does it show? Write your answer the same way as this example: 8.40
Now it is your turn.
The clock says 2.33
